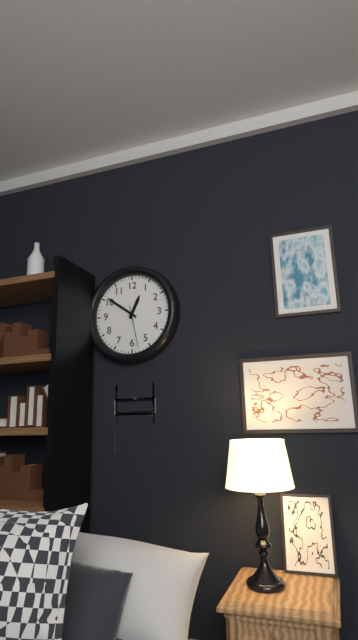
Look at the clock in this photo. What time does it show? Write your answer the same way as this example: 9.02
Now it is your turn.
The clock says 12.51
